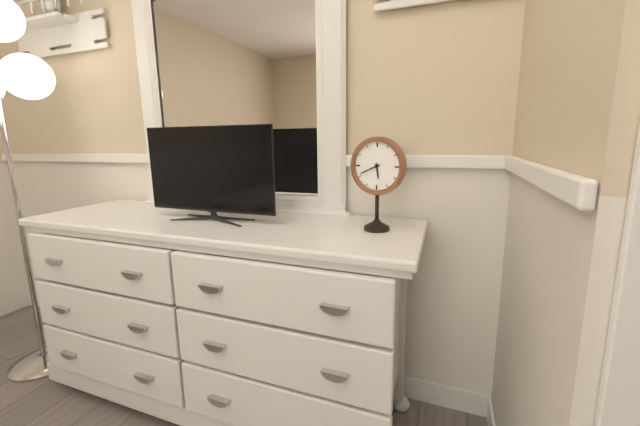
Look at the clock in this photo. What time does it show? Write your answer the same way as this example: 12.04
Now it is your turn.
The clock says 5.41
